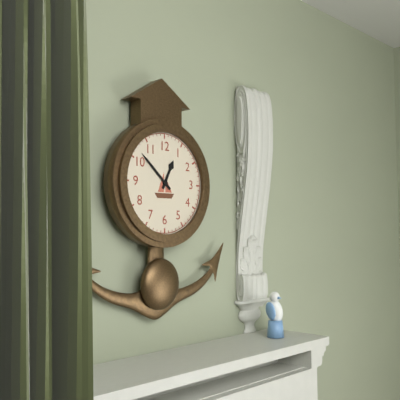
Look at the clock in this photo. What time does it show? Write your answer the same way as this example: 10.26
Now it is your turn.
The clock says 12.52
